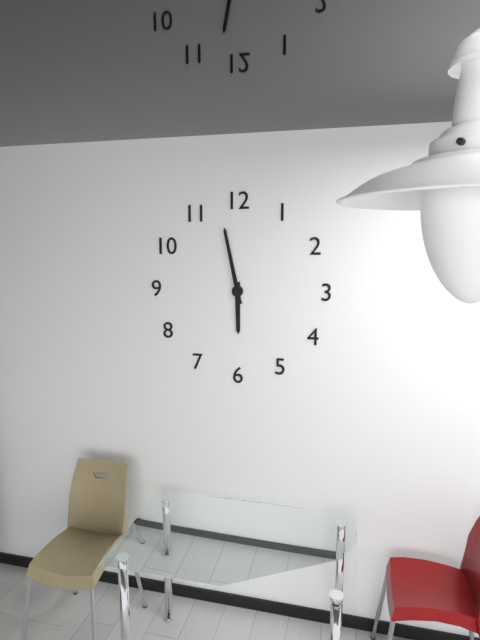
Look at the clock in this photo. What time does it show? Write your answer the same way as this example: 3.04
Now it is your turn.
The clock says 5.58
